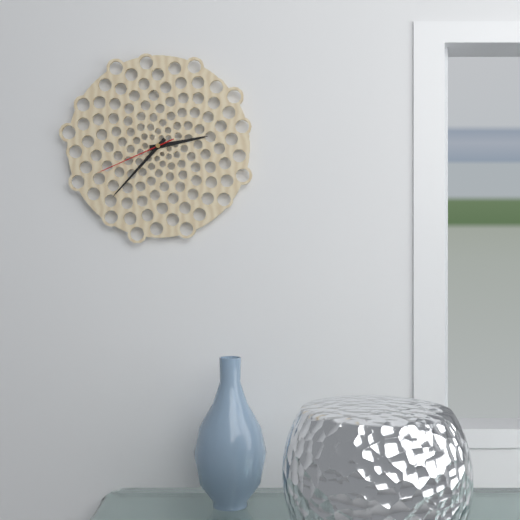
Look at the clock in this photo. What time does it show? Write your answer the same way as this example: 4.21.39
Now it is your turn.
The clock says 2.37.41
